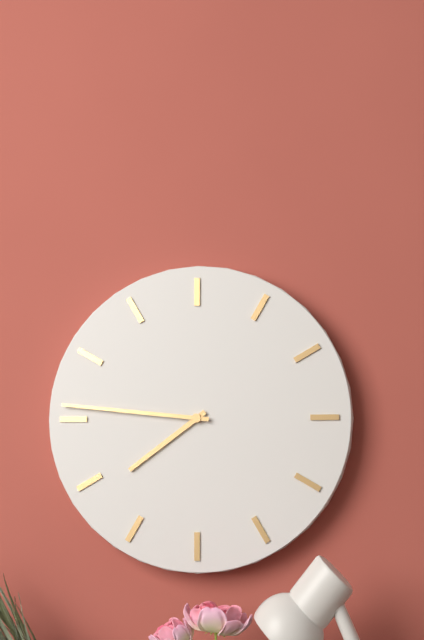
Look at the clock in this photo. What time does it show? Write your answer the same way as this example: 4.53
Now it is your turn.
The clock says 7.46
